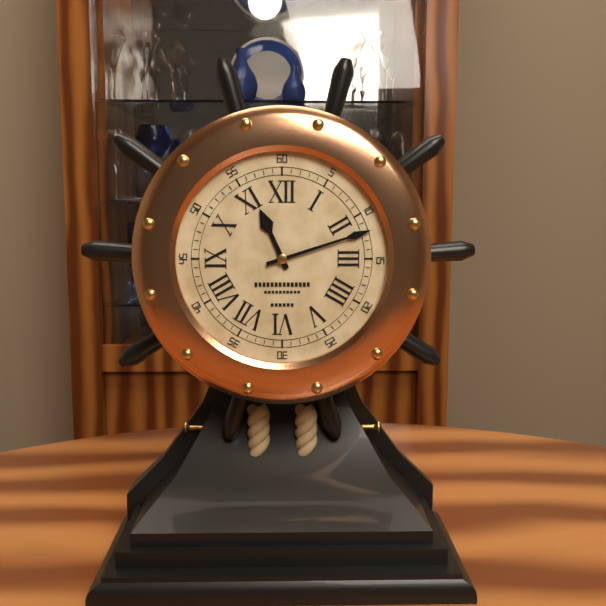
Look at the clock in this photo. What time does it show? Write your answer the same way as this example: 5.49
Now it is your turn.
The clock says 11.12
